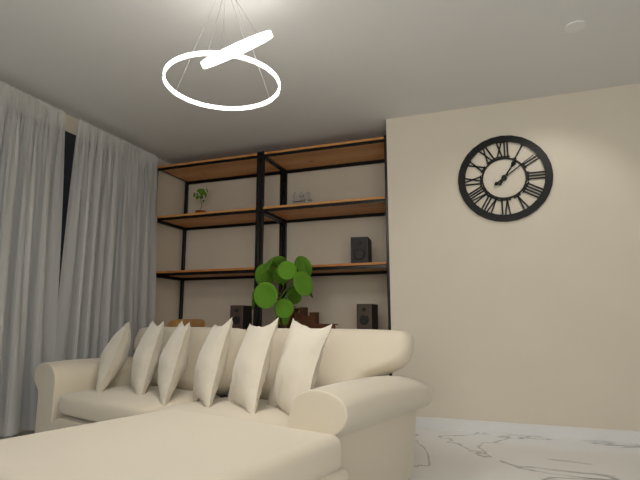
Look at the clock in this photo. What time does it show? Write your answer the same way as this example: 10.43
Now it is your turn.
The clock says 1.09
